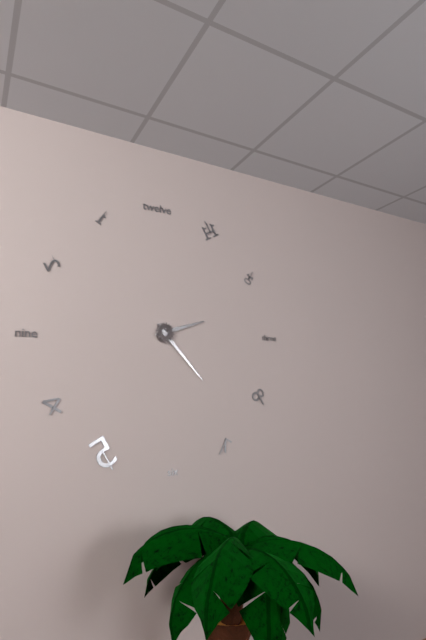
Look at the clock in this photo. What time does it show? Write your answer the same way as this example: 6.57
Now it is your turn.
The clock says 2.23
